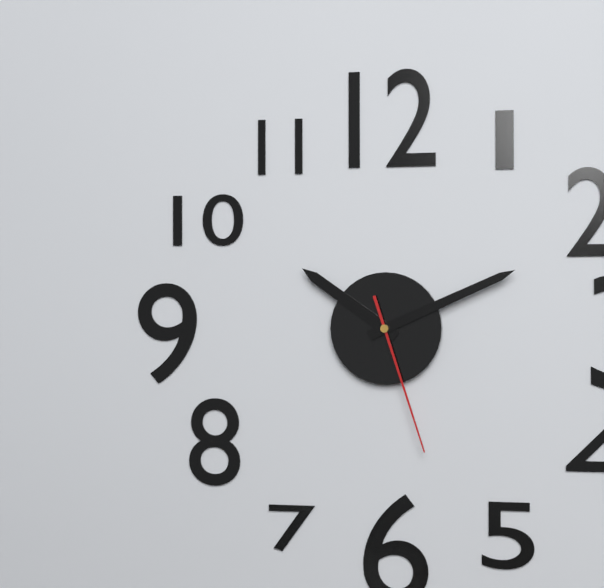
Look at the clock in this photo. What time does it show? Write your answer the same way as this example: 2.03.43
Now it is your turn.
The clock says 10.11.27
